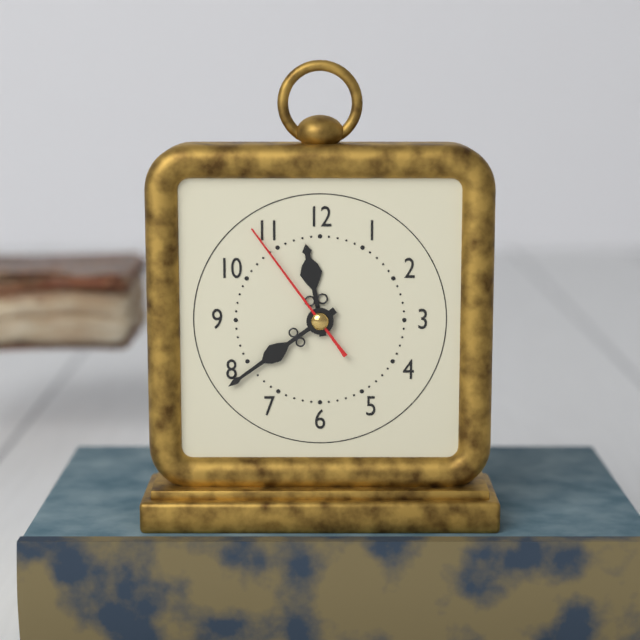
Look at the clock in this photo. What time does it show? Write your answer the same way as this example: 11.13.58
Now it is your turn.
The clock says 11.39.54
